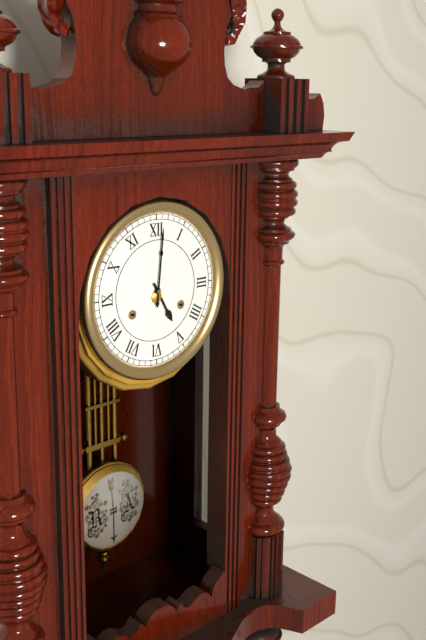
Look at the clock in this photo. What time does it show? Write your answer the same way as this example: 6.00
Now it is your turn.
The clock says 5.01
